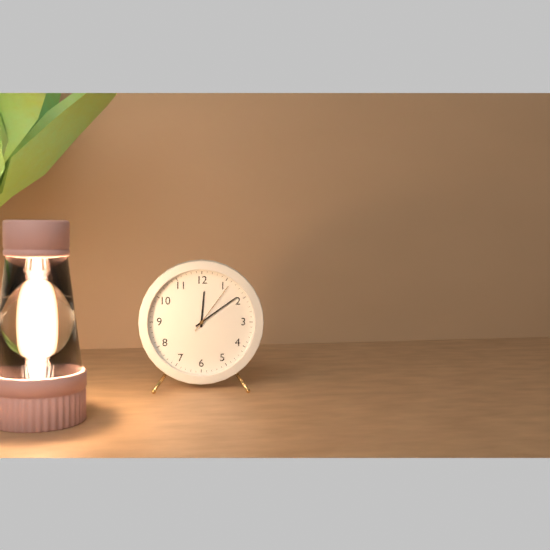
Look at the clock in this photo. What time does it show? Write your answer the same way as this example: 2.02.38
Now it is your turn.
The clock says 12.09.06
